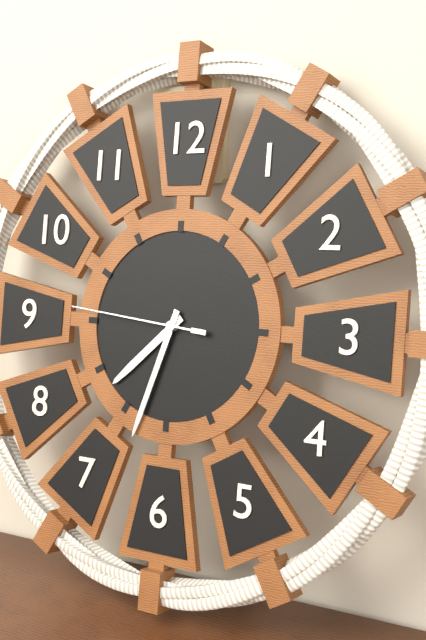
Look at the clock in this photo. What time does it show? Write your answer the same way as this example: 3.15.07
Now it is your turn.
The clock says 7.33.46
